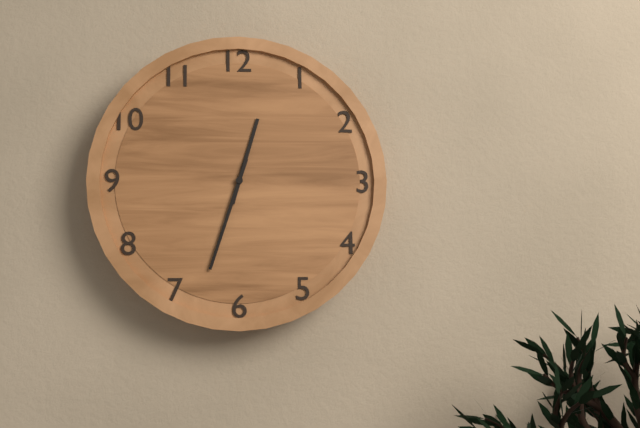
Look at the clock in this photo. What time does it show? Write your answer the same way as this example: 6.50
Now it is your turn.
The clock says 12.33
